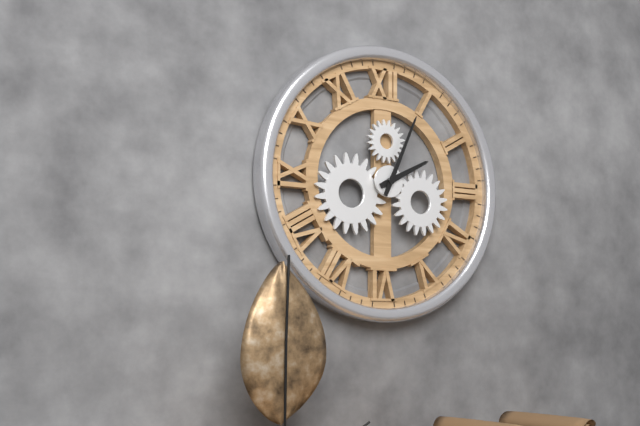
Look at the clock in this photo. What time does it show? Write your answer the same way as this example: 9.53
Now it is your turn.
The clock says 2.04
